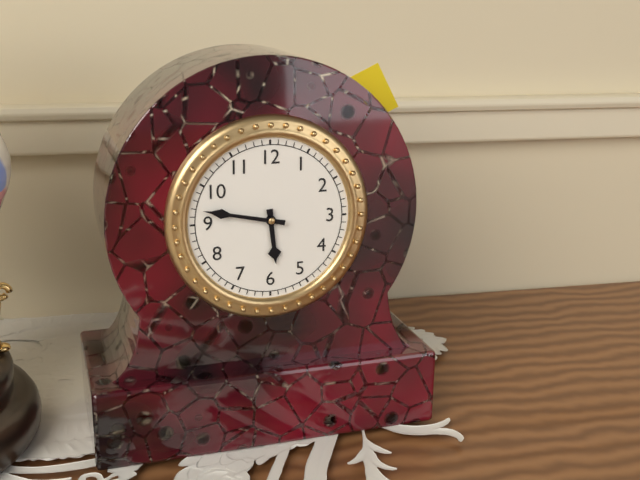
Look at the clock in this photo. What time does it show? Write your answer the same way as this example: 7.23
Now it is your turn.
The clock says 5.47
